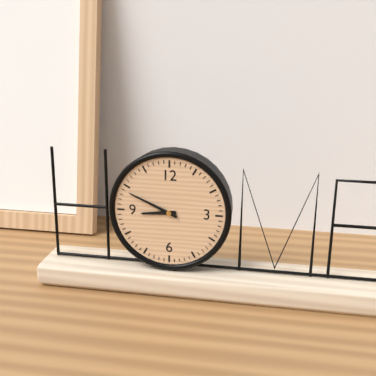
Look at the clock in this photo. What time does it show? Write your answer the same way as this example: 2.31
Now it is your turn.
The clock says 8.49
